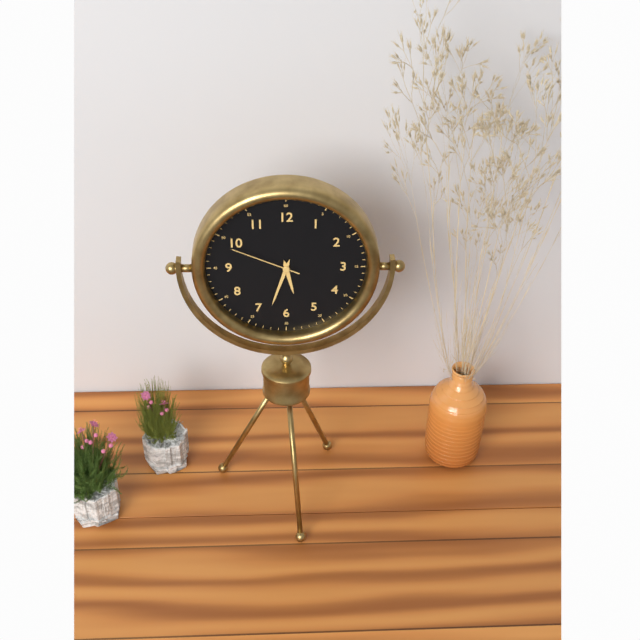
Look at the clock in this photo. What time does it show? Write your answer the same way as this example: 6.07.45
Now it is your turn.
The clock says 5.33.49
